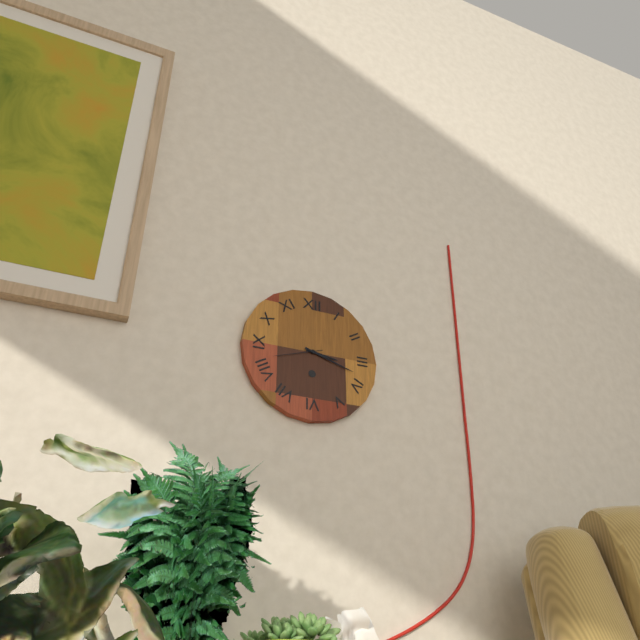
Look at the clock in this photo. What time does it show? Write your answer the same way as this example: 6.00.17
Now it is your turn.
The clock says 3.18.42
